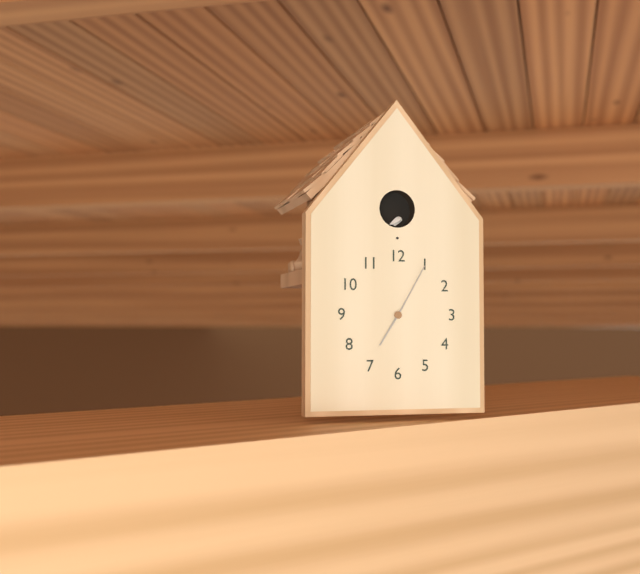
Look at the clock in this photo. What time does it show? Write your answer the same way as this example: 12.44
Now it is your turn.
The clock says 7.05
